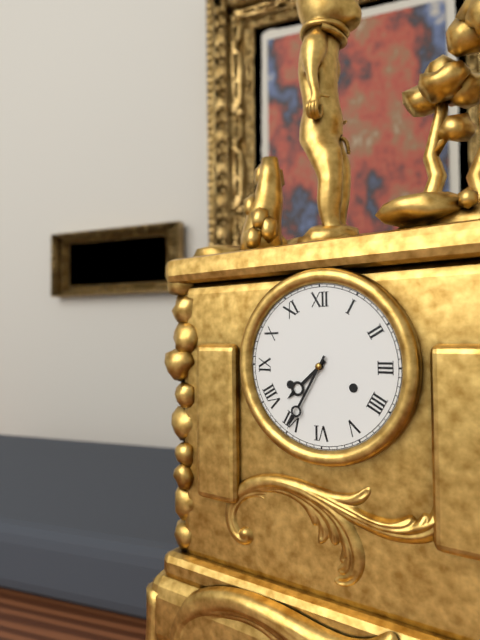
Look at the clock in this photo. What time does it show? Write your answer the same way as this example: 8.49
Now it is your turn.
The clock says 7.35
